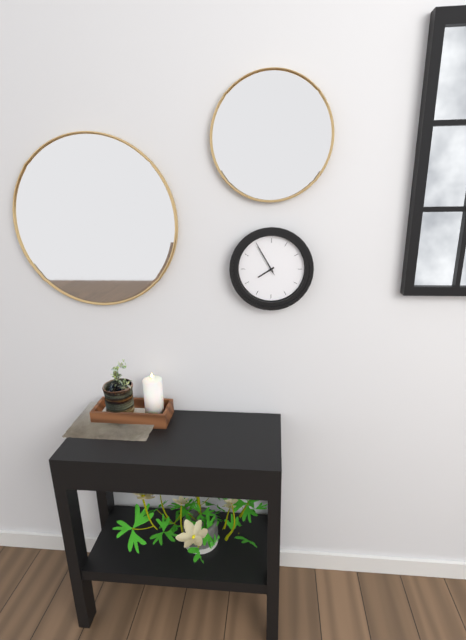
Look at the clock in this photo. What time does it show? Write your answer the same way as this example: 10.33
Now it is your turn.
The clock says 7.55
